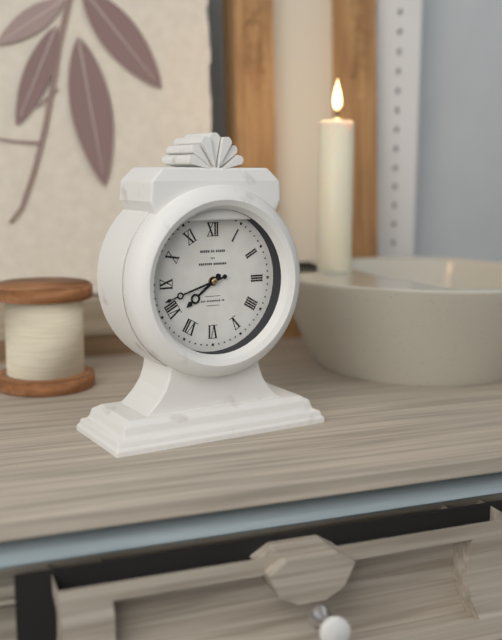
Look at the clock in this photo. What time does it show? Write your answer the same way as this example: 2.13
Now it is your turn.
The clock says 7.42
